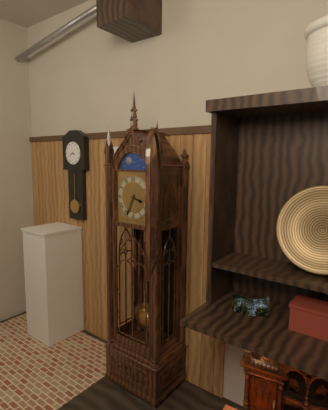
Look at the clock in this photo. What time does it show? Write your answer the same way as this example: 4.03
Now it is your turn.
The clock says 3.34
